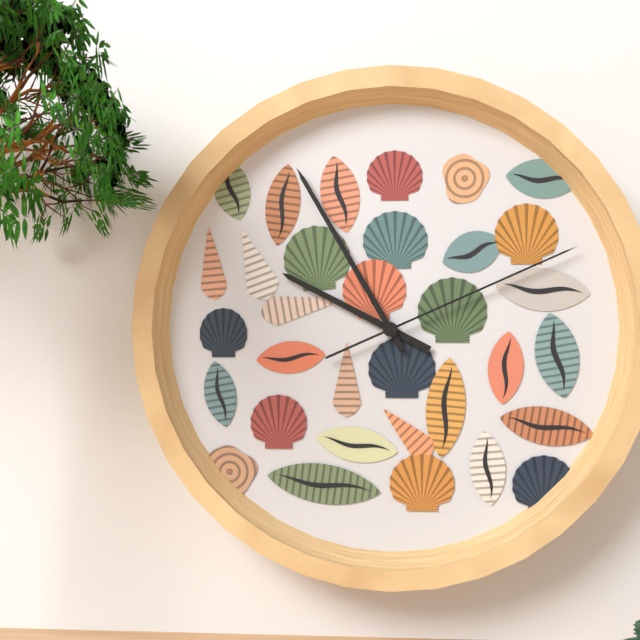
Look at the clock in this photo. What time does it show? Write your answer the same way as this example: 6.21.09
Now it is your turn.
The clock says 9.55.11
